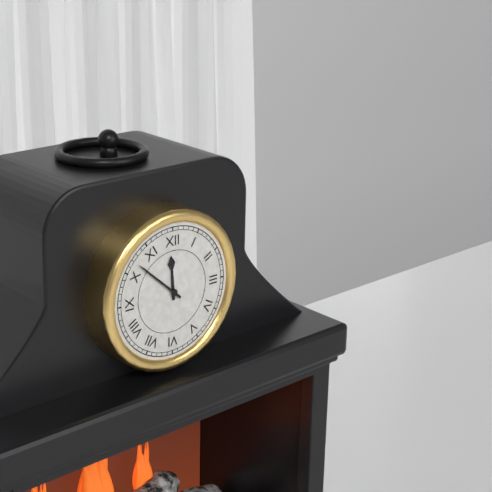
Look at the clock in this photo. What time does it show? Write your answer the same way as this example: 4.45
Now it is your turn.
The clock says 11.52
